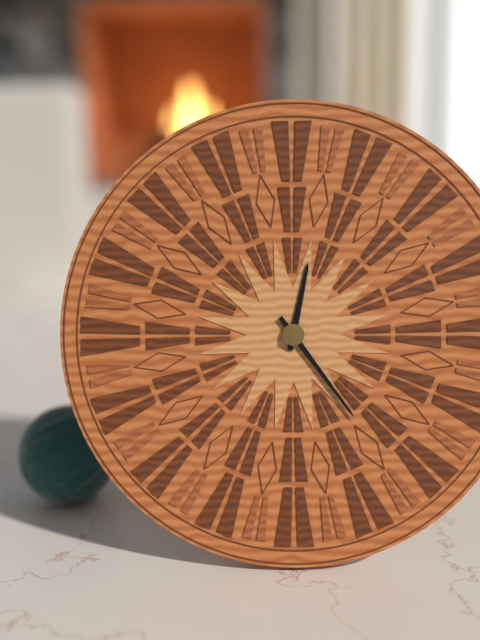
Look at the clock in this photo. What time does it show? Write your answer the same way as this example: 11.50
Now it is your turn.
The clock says 12.24
